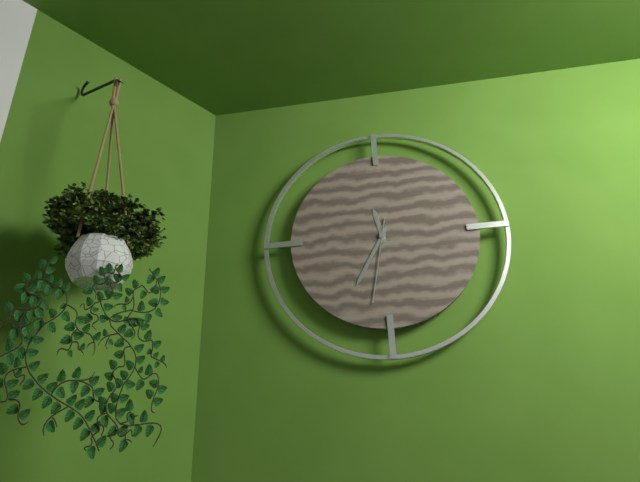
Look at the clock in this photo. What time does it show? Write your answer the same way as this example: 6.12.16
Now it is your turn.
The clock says 11.35.32
